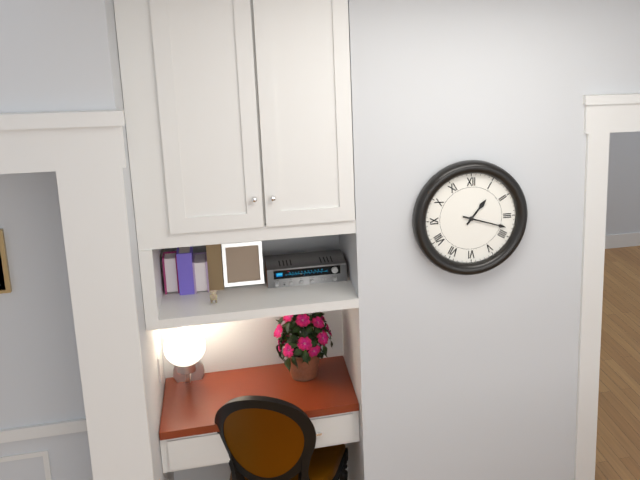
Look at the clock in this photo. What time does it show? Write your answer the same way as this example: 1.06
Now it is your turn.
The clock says 1.18
